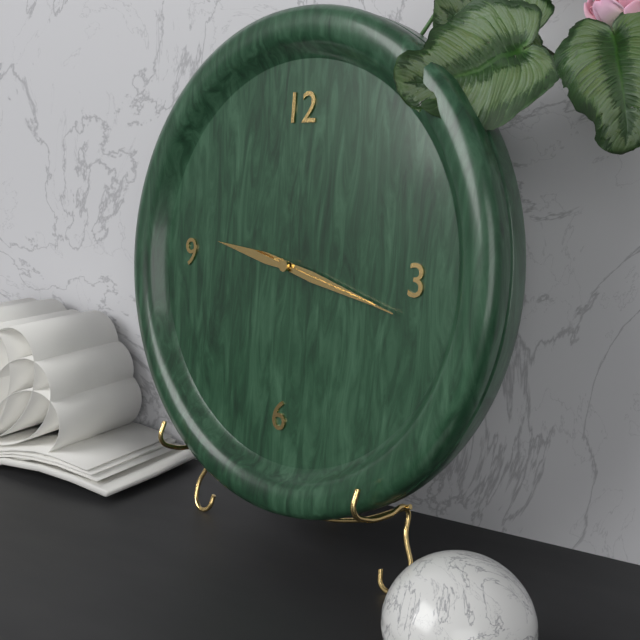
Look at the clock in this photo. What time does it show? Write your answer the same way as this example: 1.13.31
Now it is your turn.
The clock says 9.17.17
